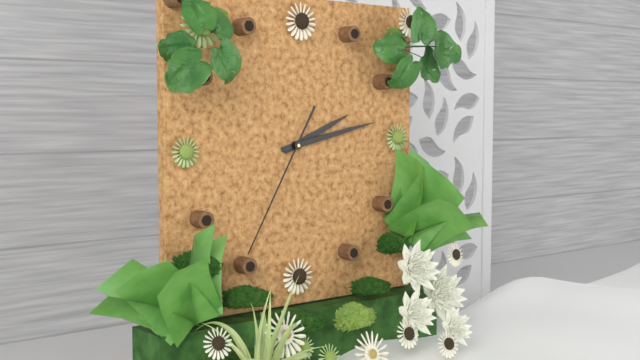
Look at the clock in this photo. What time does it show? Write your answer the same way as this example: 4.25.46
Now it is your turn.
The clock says 2.13.35
